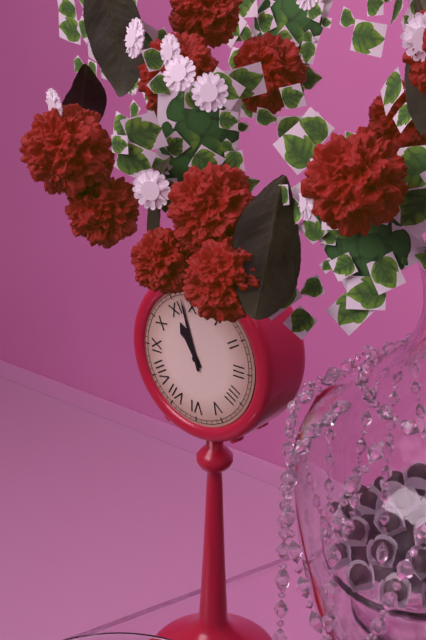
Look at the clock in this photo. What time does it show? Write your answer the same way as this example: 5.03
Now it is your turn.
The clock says 10.57
